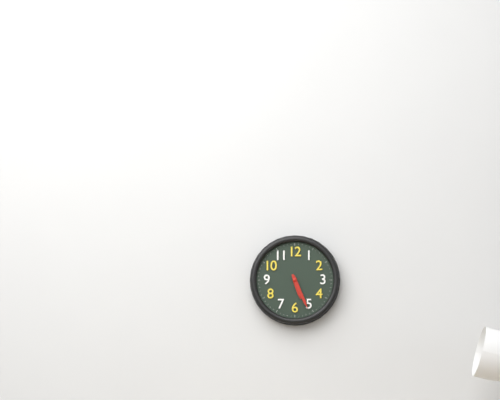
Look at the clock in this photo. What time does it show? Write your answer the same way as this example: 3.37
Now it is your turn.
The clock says 5.26
